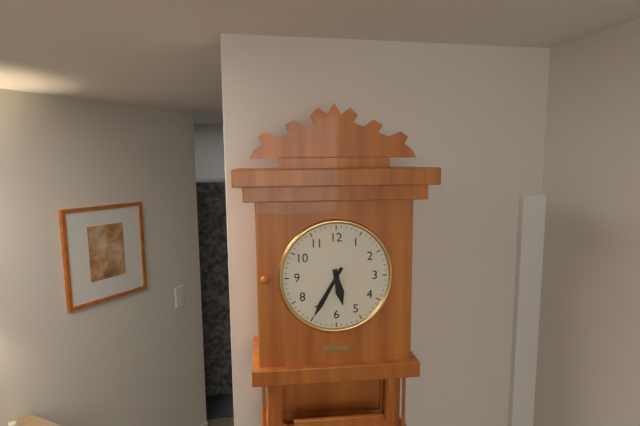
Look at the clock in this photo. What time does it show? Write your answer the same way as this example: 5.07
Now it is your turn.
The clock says 5.35
